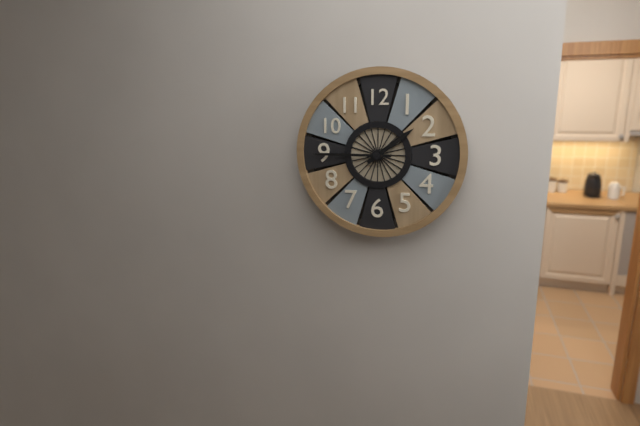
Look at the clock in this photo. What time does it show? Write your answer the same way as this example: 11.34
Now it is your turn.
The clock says 1.45
